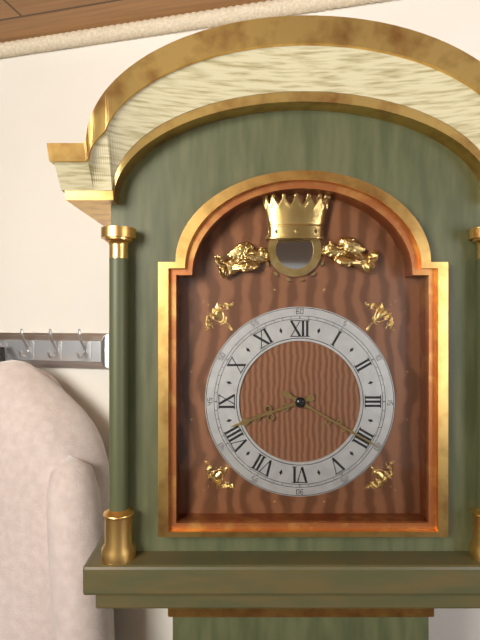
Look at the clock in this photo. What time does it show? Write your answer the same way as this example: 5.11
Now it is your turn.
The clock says 8.20
